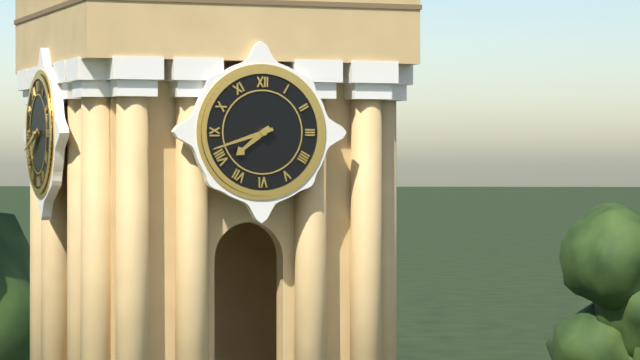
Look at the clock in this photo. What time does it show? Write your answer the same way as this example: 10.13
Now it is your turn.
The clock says 7.42
